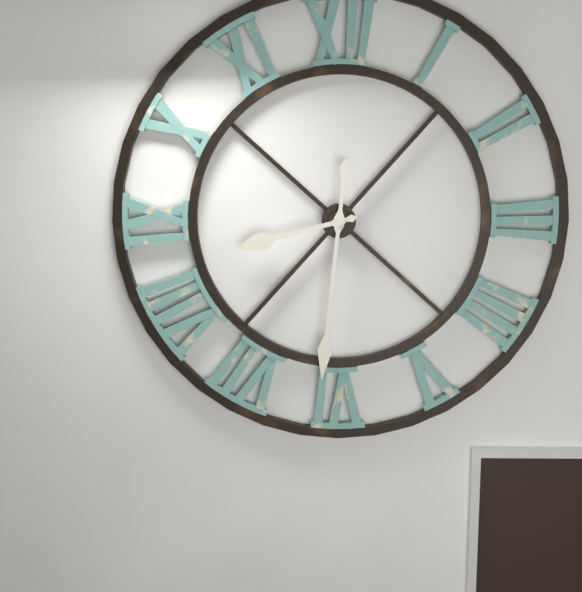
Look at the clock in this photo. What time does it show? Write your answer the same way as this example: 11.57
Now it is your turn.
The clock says 8.31
